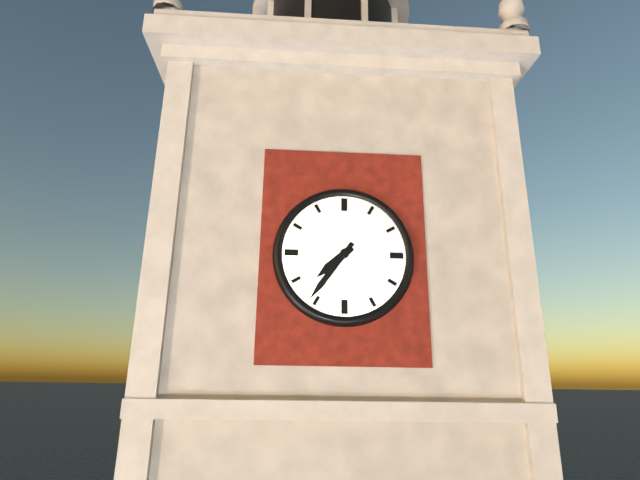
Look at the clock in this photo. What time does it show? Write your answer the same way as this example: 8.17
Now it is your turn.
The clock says 7.36
